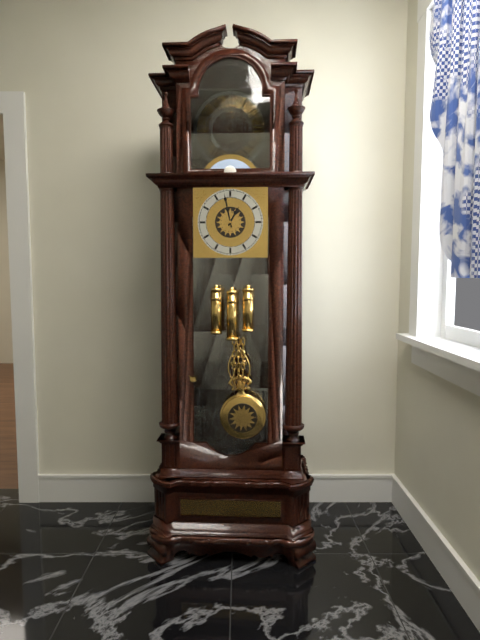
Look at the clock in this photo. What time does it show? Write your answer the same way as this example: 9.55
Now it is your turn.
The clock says 12.58
